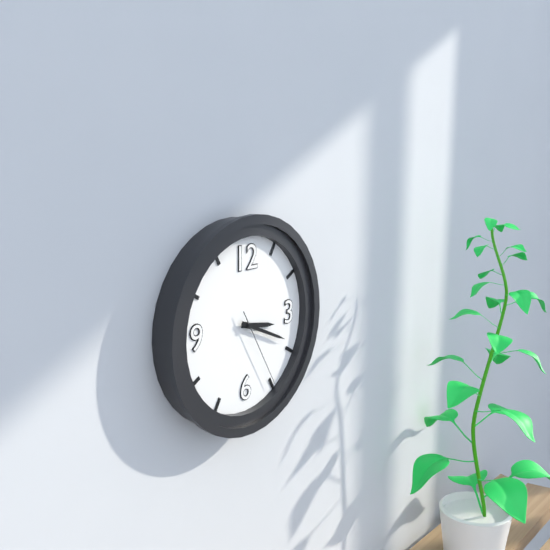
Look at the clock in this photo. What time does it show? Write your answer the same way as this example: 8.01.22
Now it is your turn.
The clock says 3.19.25
